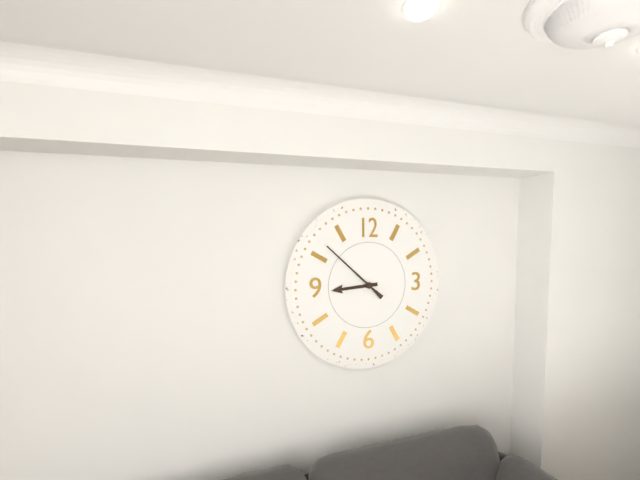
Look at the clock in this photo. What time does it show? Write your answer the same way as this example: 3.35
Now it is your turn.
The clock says 8.52
